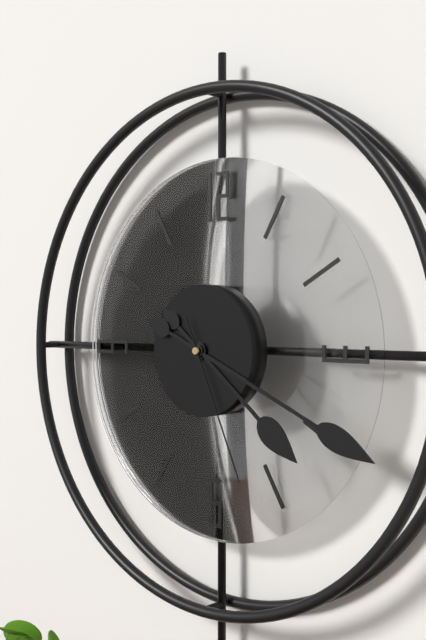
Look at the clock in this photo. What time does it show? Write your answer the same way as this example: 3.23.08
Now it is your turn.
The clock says 4.19.26
